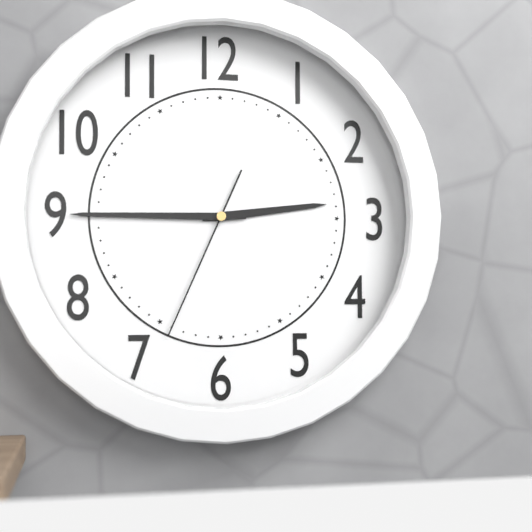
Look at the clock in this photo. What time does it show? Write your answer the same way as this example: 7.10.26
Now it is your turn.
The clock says 2.45.34
